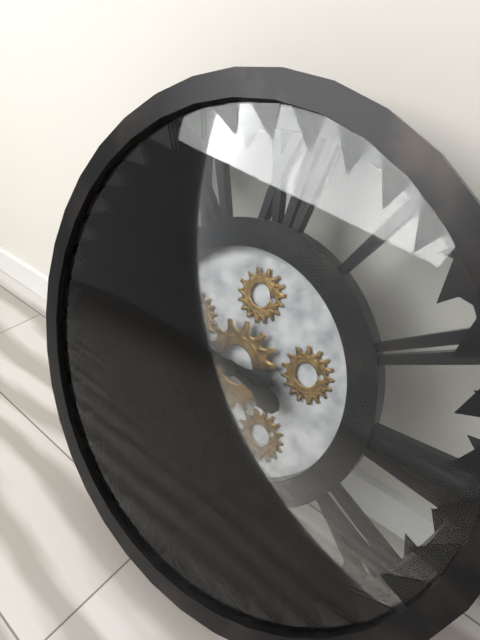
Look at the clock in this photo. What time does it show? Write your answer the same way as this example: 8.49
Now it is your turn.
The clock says 8.47
